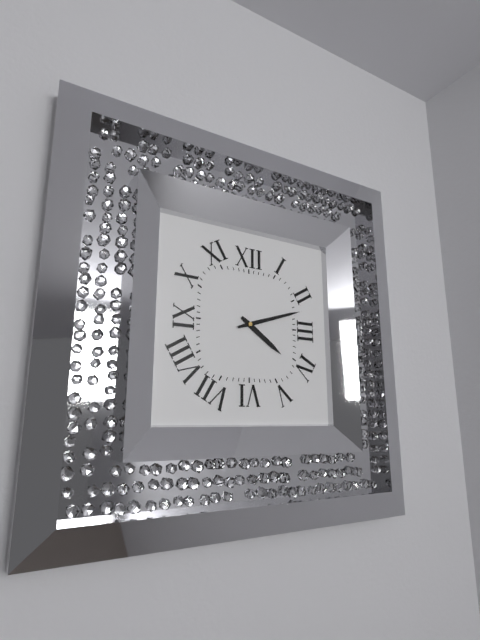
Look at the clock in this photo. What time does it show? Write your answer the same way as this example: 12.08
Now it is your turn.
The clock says 4.12
